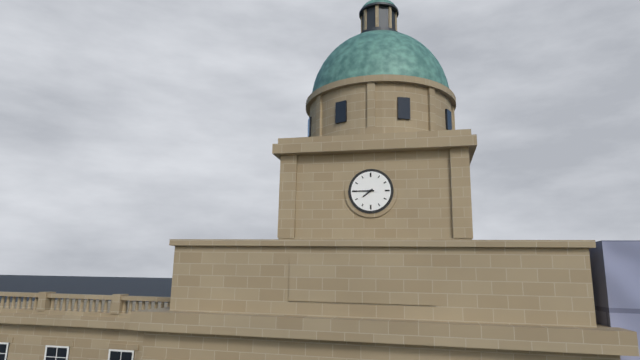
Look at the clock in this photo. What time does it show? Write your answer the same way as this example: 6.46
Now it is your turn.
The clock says 7.45
